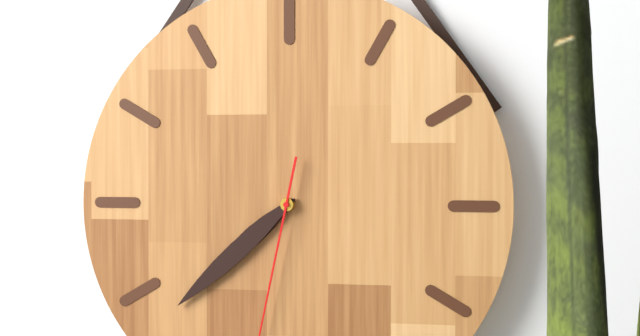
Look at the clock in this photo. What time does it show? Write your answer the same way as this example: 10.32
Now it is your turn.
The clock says 7.38
